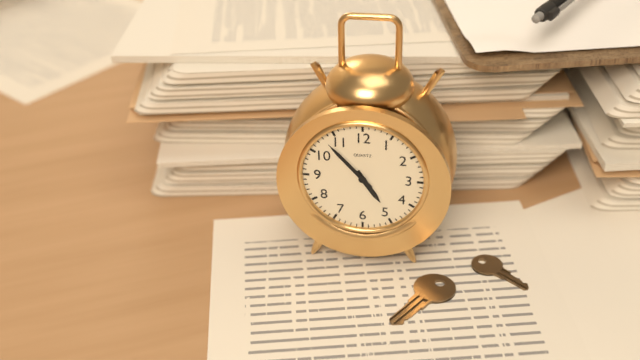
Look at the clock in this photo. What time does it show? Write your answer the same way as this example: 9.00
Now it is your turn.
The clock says 4.53
